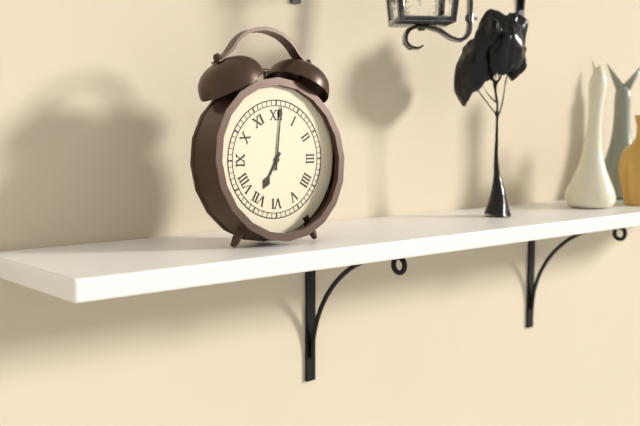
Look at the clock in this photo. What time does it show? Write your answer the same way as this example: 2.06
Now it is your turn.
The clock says 7.01
